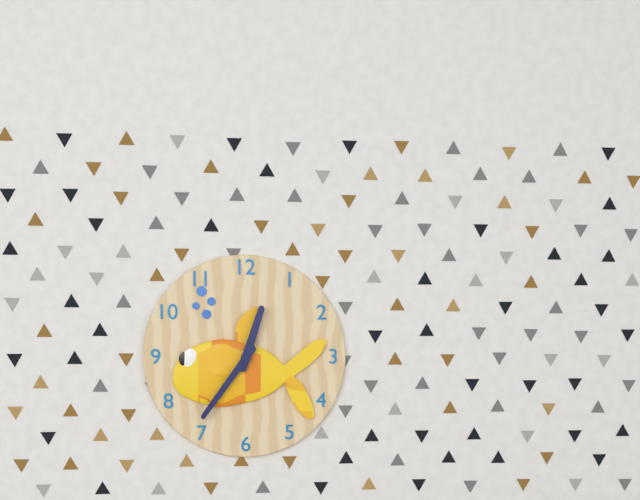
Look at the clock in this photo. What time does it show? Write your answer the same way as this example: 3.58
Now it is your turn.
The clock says 12.36
